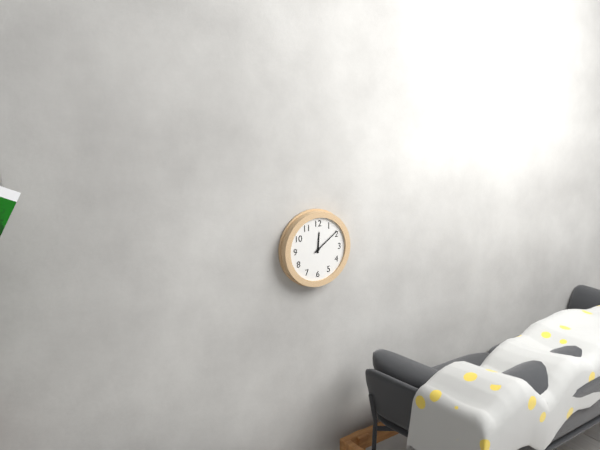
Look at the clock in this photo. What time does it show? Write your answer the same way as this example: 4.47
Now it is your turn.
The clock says 12.09
